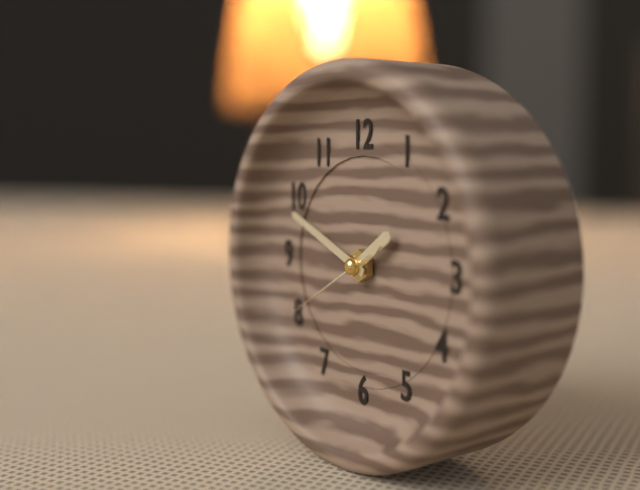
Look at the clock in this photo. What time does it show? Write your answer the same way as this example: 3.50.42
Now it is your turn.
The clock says 1.49.40
